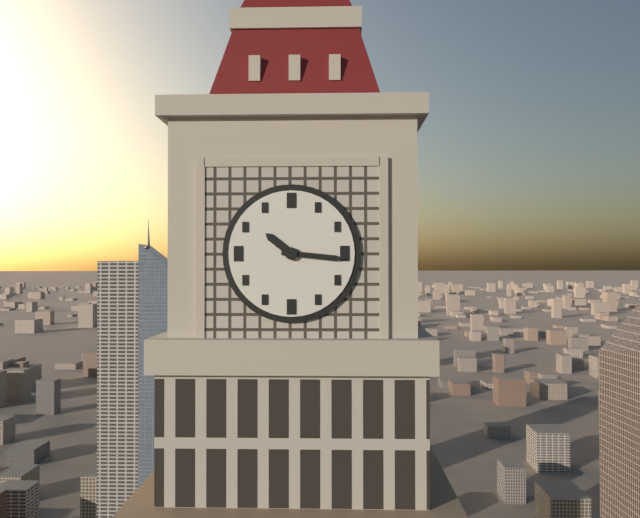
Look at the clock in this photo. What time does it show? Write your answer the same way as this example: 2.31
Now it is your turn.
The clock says 10.16
